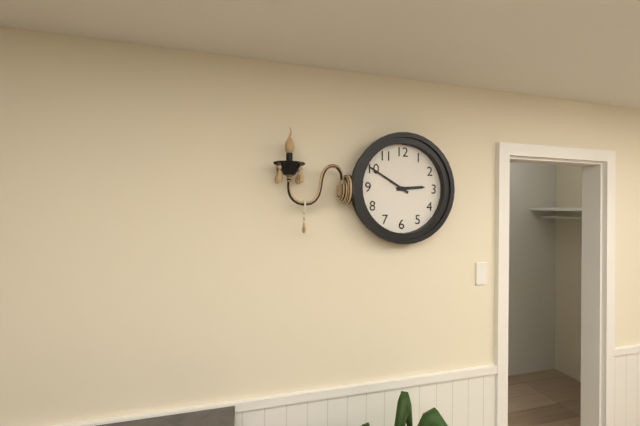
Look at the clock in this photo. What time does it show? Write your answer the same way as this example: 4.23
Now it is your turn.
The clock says 2.50
